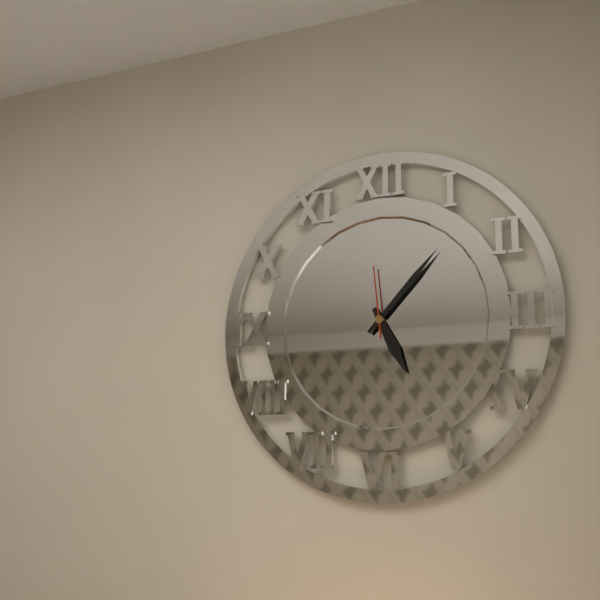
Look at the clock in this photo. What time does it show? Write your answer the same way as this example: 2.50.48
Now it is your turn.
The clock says 5.07.59
